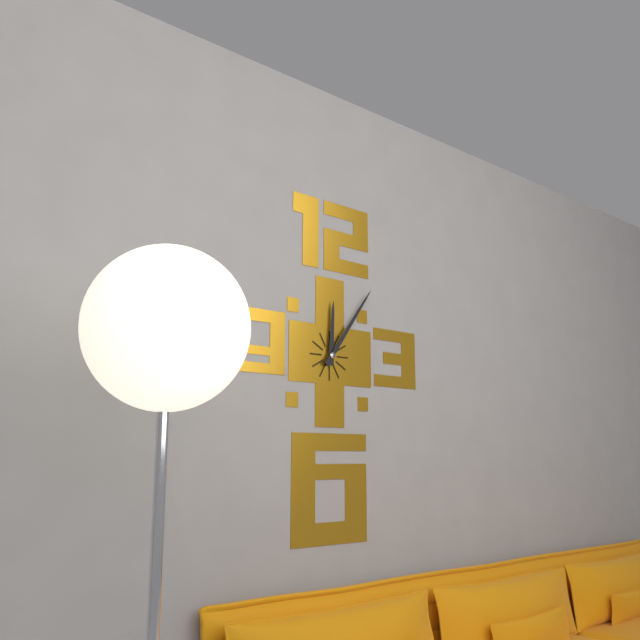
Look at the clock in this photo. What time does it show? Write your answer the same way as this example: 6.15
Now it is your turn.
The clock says 12.06
